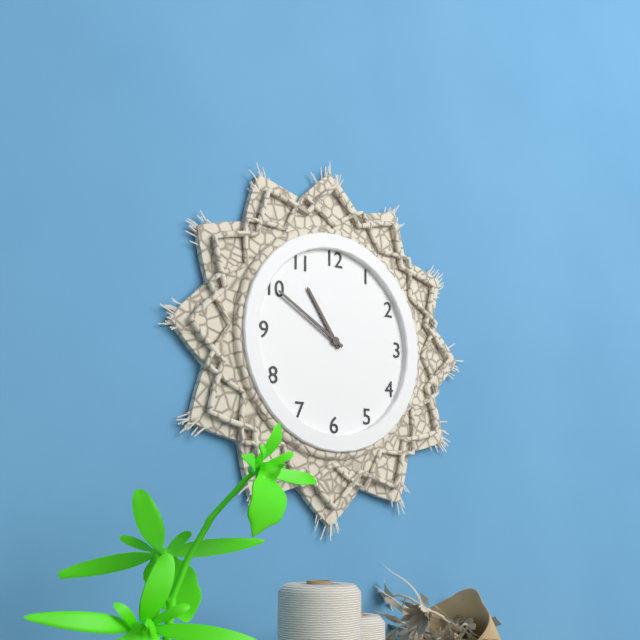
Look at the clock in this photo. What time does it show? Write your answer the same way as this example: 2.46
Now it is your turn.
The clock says 10.50
